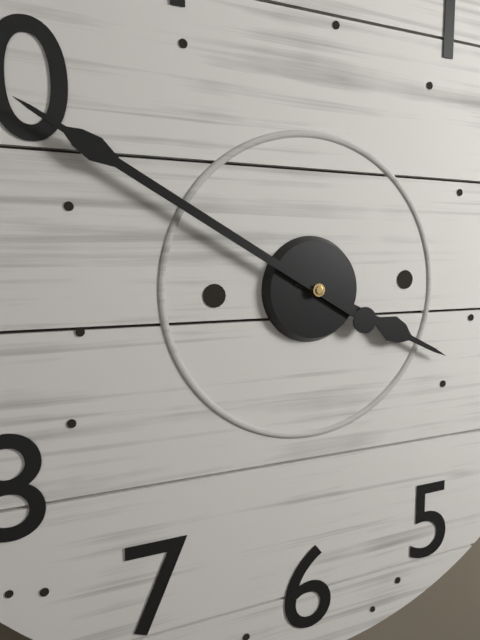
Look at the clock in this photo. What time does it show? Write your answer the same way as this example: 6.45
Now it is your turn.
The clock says 3.50
